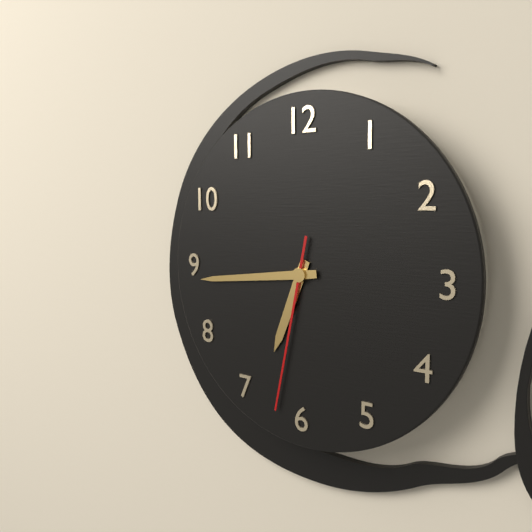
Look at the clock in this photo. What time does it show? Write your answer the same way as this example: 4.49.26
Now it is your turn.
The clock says 6.44.32
